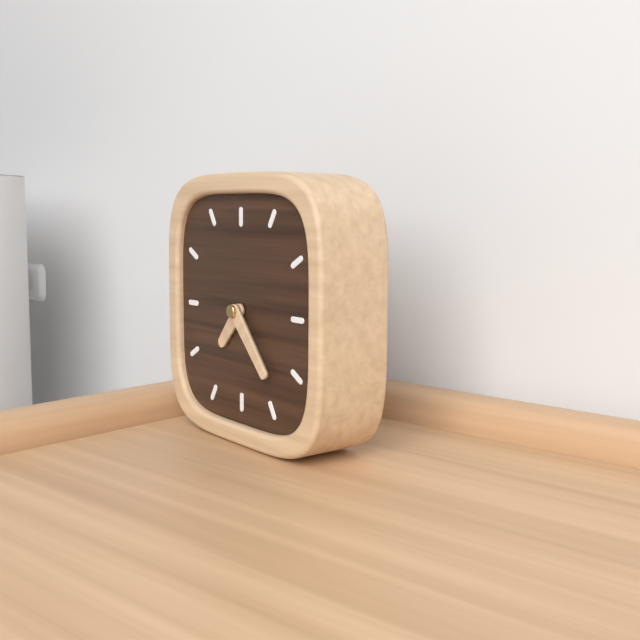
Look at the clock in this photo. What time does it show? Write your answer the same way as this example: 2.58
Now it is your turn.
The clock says 7.23
